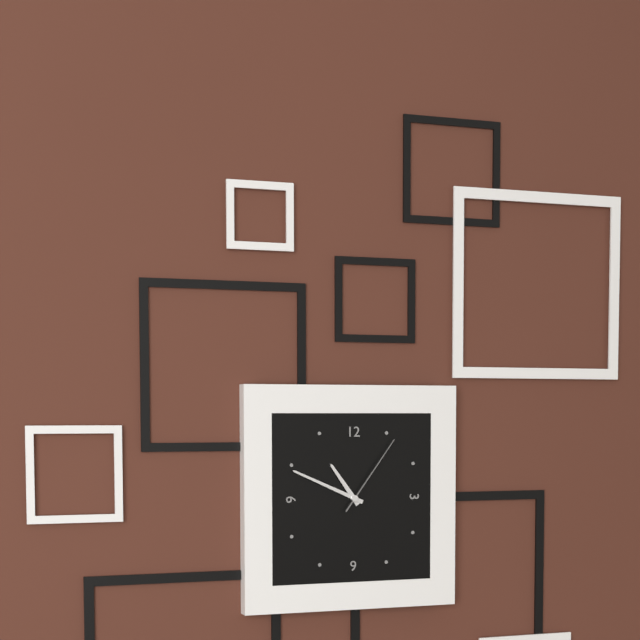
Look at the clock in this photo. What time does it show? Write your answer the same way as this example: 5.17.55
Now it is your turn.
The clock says 10.49.06
